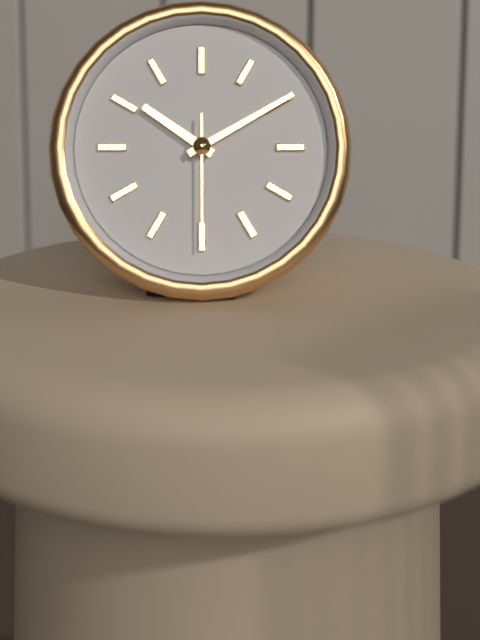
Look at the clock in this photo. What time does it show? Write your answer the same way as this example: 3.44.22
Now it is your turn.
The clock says 10.10.30
